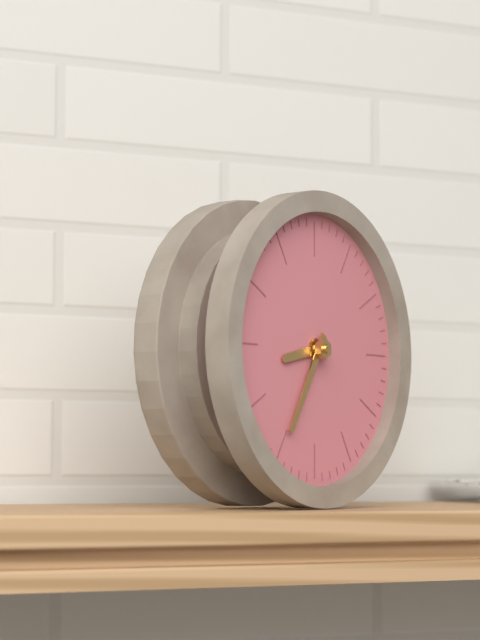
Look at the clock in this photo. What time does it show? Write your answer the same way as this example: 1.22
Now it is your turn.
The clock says 8.35
